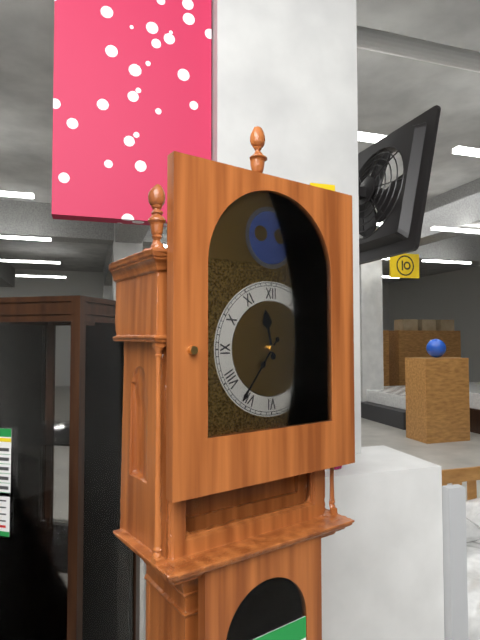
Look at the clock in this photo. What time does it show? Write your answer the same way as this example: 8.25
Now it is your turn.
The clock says 11.36
